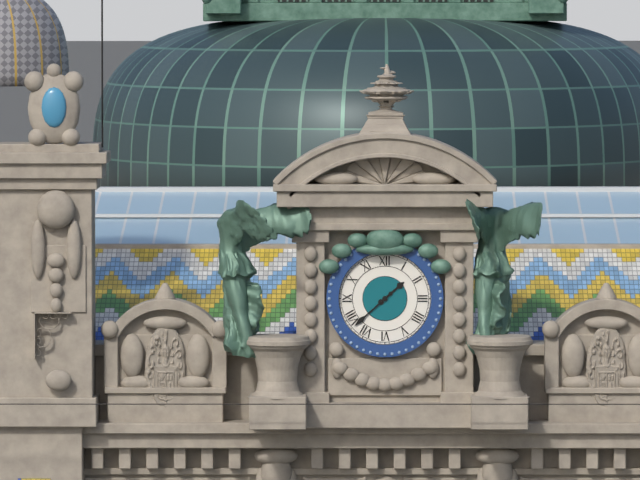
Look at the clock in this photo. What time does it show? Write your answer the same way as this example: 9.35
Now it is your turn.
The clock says 1.38
